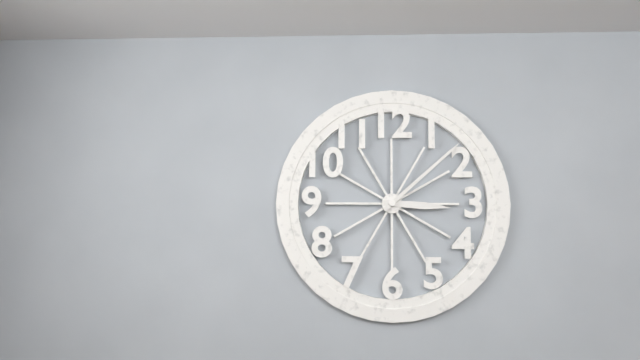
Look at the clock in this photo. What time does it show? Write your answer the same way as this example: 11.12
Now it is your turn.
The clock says 3.08
